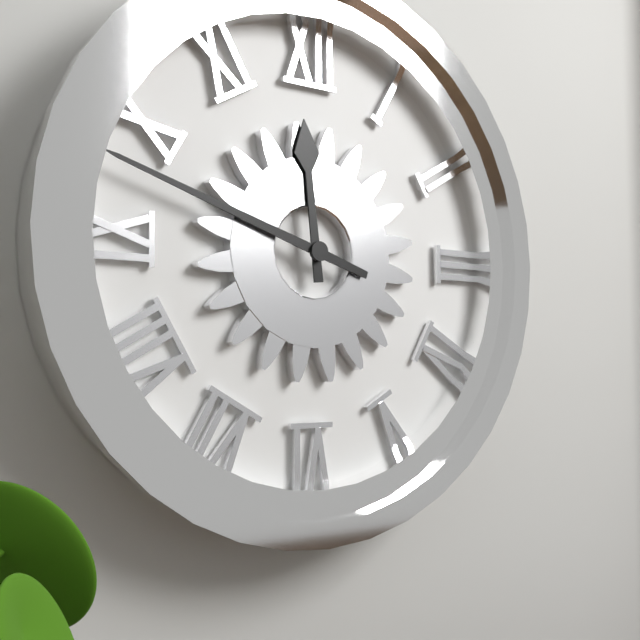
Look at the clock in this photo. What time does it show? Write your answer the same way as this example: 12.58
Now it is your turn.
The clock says 11.48
